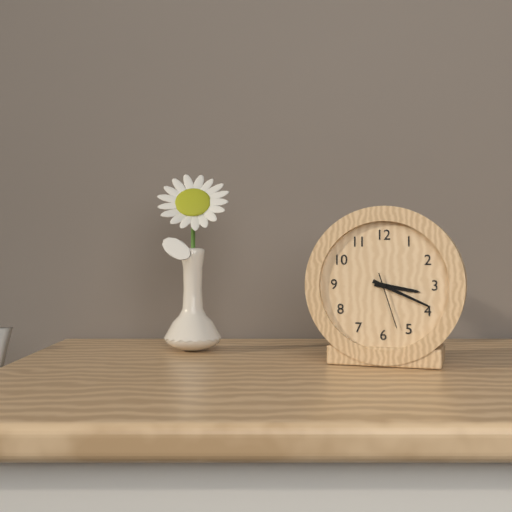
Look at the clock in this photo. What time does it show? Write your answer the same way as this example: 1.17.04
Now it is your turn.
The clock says 3.19.27
